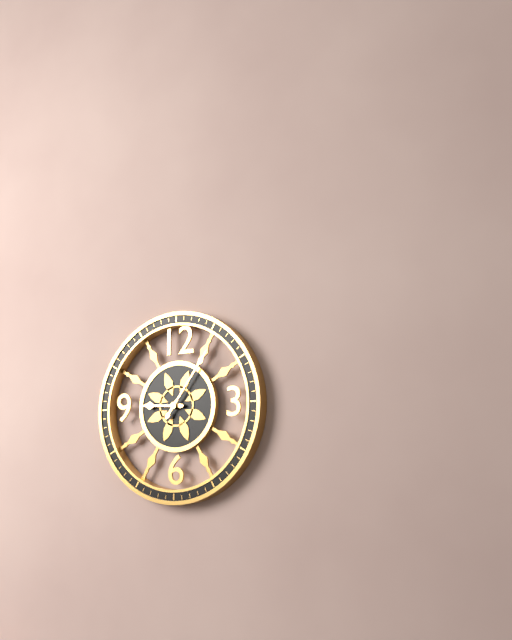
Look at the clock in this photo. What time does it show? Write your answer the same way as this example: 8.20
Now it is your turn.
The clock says 9.06
